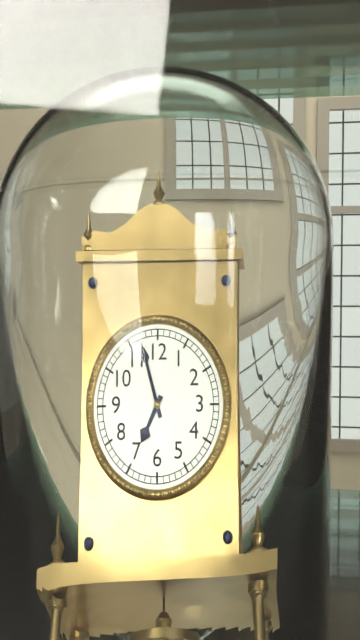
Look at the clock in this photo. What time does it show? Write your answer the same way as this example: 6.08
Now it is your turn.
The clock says 6.57
